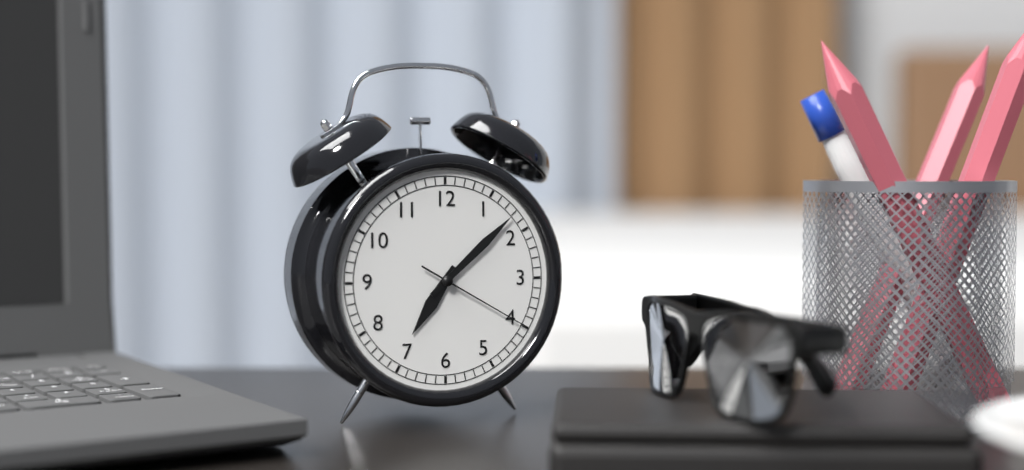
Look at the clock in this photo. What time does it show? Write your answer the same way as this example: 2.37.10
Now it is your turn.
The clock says 7.08.20
